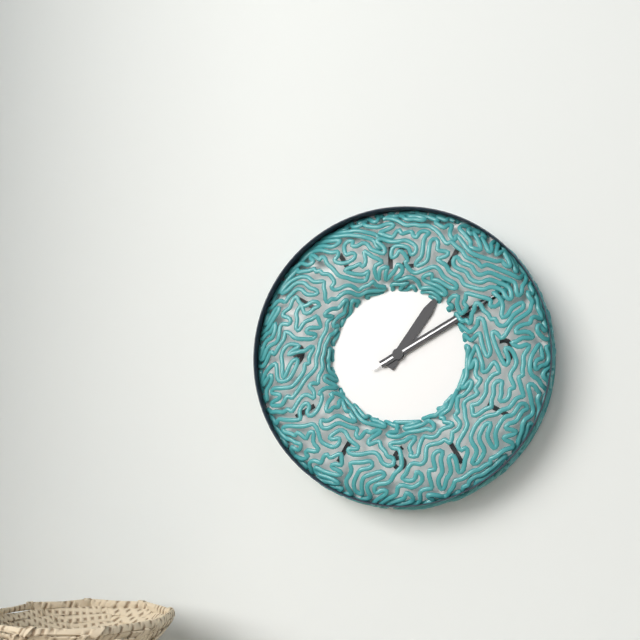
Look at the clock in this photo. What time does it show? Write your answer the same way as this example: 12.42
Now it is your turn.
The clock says 1.10
